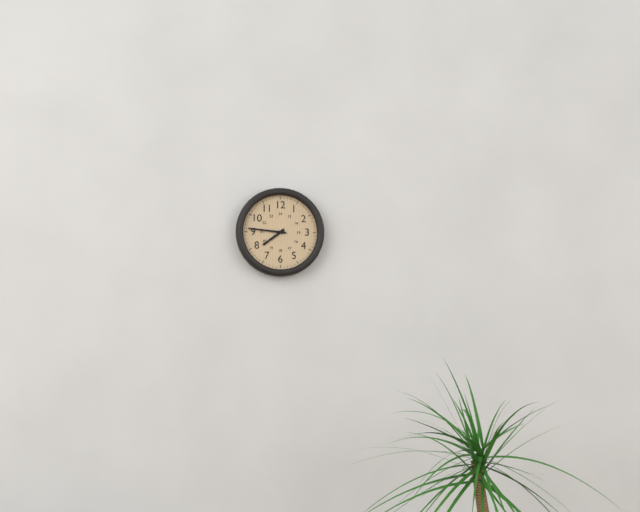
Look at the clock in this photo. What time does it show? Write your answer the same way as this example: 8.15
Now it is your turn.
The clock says 7.46
